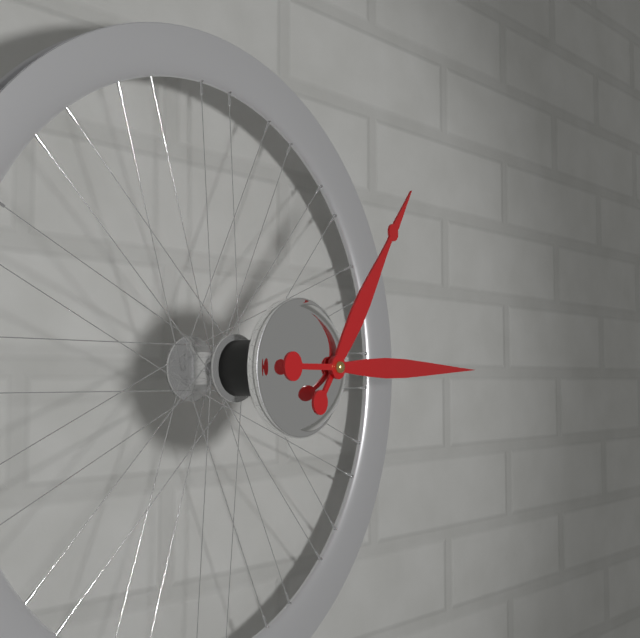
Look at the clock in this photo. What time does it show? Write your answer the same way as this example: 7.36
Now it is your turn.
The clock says 1.15
